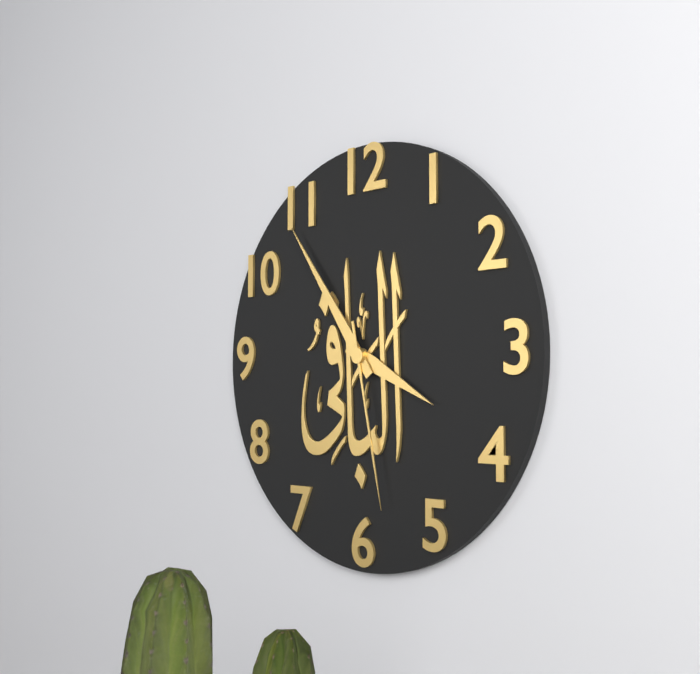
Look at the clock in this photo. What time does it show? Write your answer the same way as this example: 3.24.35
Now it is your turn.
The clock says 3.54.28
